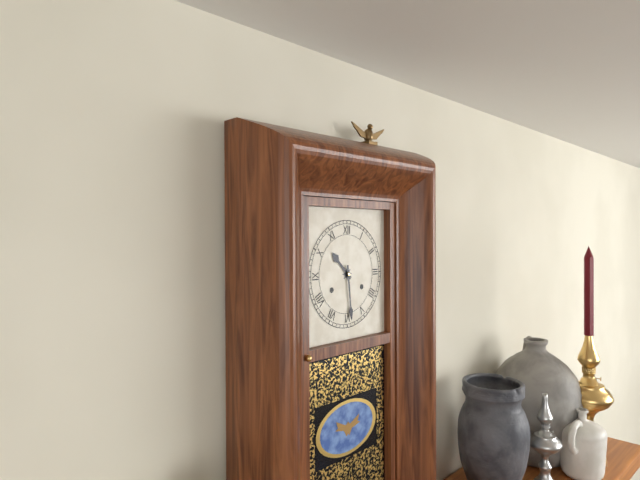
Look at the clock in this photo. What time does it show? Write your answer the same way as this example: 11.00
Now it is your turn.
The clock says 10.29
